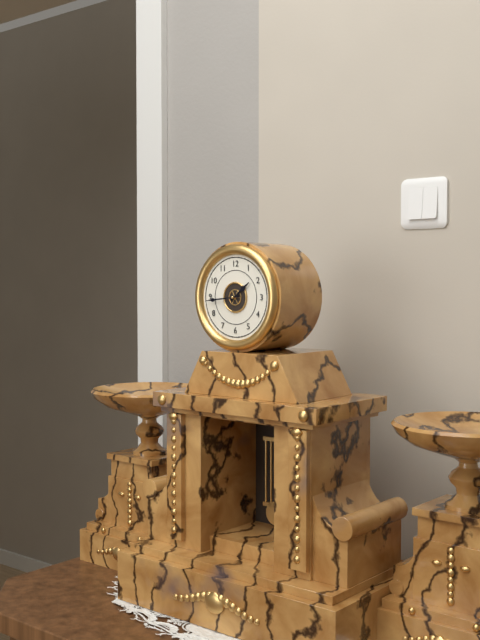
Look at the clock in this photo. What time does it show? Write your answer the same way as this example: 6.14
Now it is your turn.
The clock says 1.44
